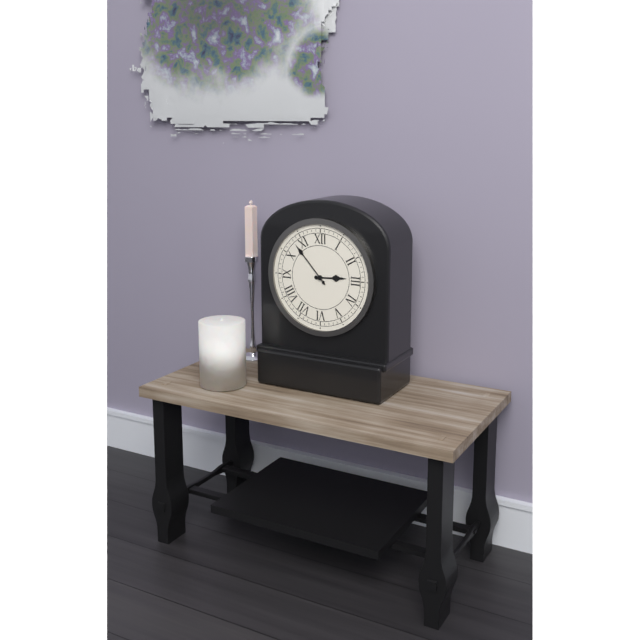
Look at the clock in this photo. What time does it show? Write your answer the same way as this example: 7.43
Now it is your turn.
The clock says 2.53
